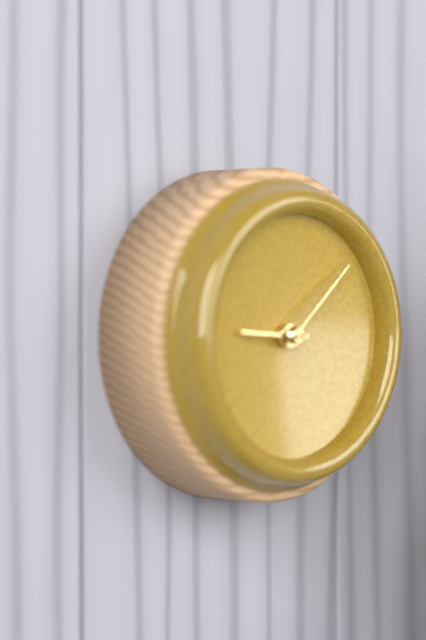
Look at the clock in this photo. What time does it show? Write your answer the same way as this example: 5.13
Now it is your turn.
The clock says 9.08
